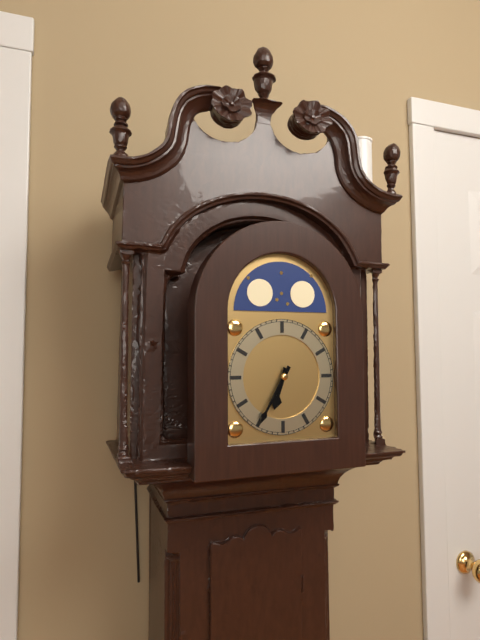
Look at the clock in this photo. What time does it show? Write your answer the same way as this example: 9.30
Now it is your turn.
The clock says 6.35
